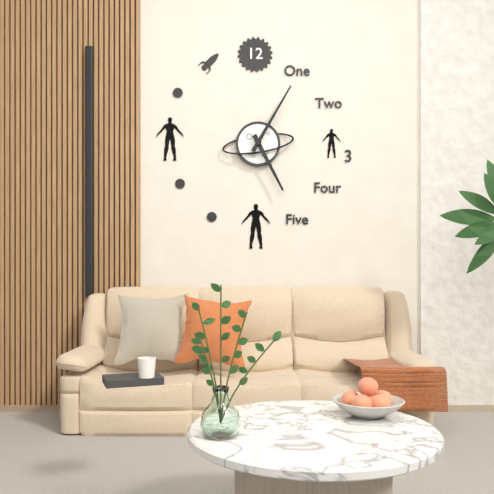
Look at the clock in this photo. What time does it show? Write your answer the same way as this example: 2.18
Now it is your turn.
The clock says 5.05
